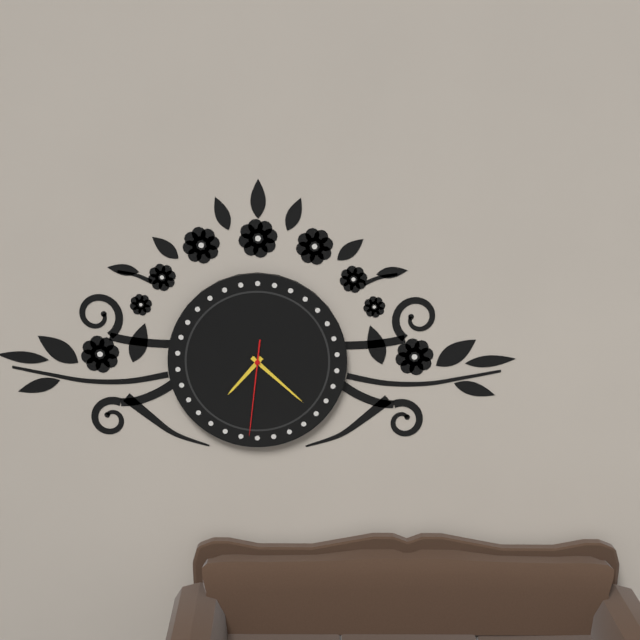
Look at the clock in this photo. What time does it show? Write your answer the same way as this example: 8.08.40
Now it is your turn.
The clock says 7.22.31
